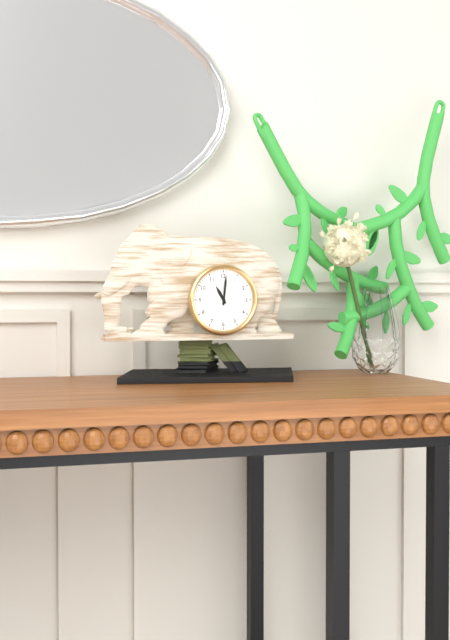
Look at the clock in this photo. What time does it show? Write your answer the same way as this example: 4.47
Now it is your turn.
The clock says 11.01
